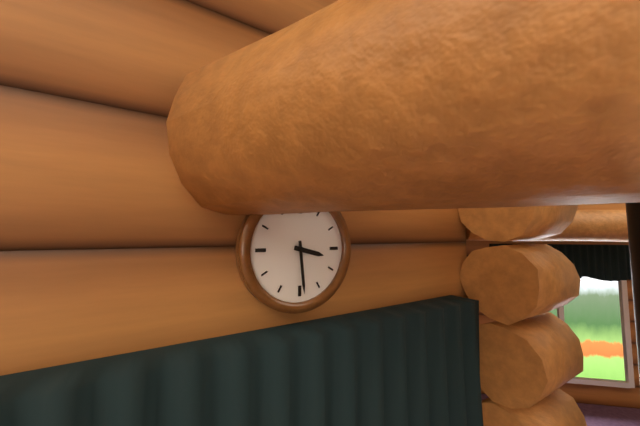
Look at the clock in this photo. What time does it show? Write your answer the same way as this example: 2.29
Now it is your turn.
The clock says 3.29
